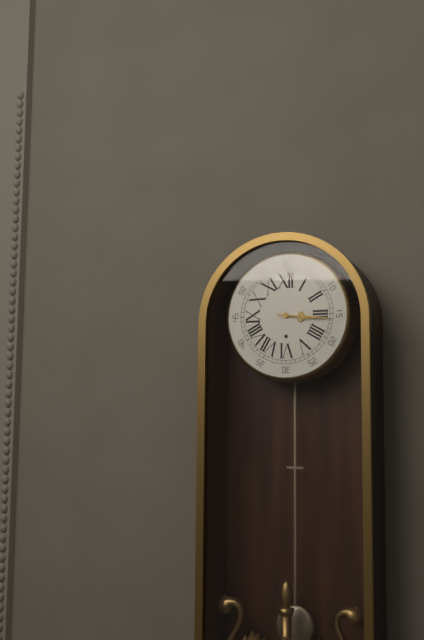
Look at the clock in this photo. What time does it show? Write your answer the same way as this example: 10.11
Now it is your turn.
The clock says 3.16
